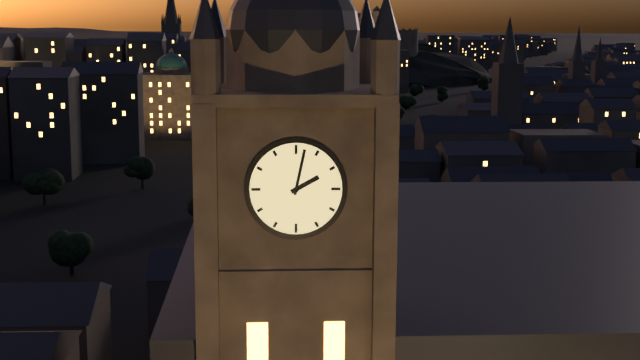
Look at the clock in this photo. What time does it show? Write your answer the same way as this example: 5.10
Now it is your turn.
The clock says 2.02
